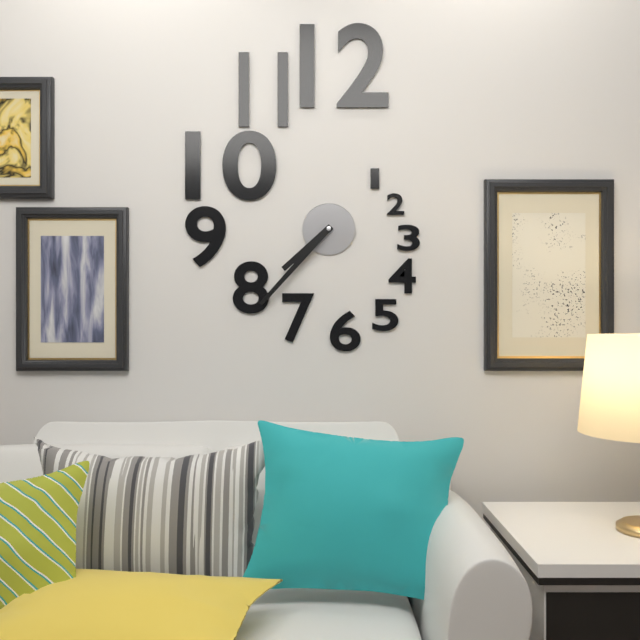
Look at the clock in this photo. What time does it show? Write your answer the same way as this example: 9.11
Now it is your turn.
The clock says 7.37
